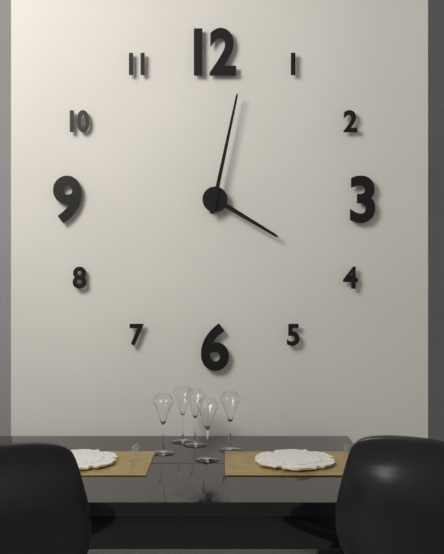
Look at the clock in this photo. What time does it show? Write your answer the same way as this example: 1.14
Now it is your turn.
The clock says 4.02
